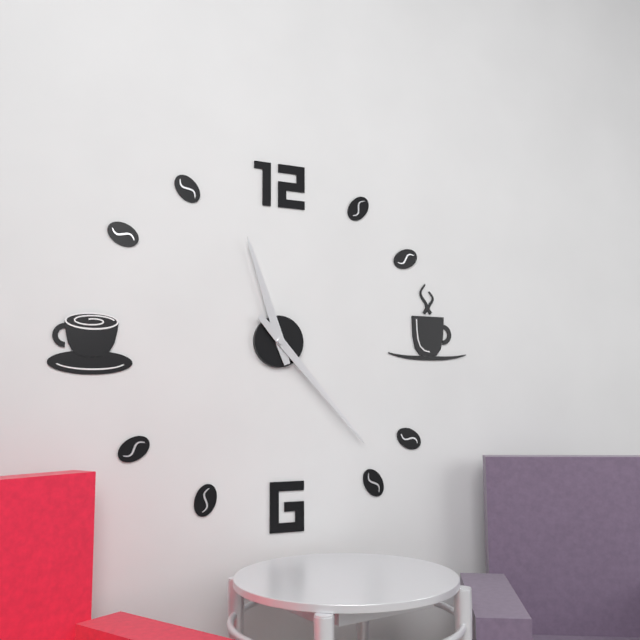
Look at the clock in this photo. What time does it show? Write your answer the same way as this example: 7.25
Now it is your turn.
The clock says 11.23
